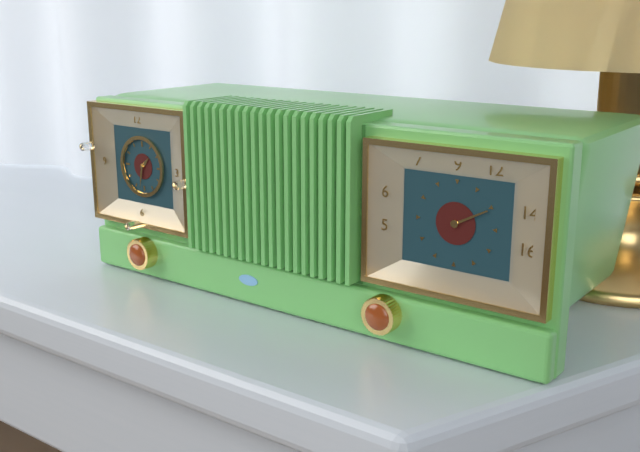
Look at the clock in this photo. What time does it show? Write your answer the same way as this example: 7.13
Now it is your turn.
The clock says 1.32
